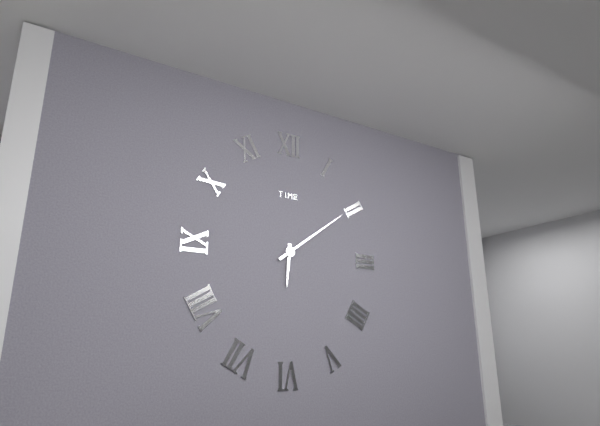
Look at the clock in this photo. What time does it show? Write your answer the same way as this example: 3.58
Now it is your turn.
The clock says 6.09
